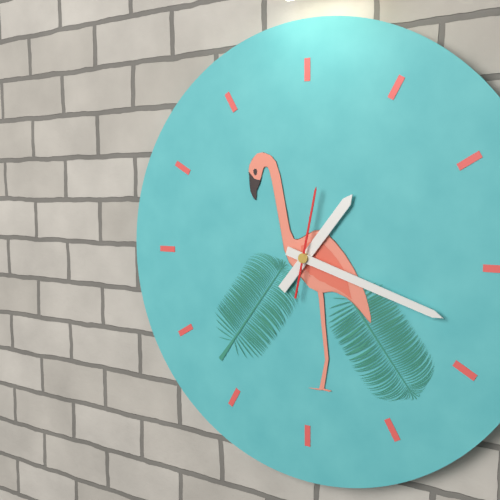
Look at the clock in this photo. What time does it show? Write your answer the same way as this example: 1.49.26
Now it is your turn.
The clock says 1.18.02
